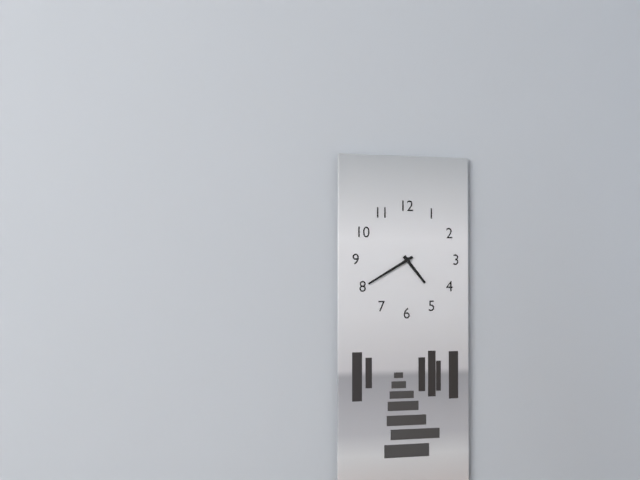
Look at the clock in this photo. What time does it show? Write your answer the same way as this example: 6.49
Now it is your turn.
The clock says 4.40
